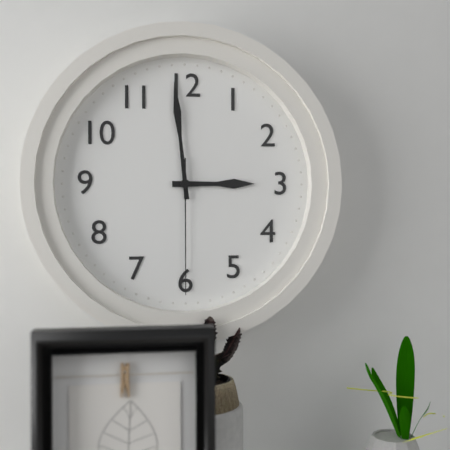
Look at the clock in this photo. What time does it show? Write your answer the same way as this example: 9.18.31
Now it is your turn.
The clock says 2.59.30
